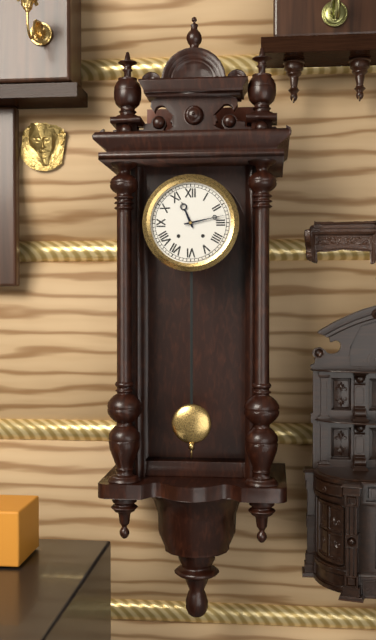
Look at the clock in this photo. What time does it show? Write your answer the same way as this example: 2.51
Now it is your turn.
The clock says 11.13
